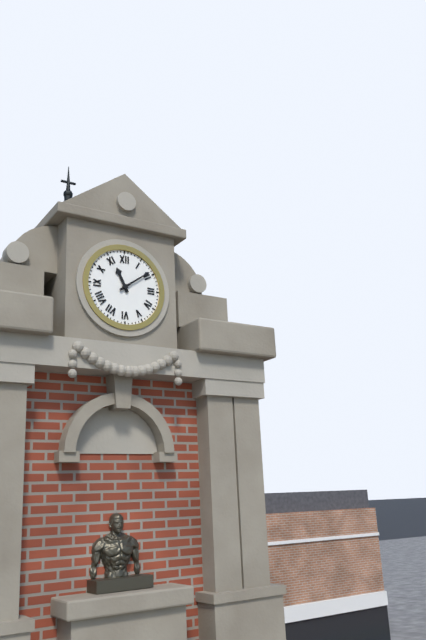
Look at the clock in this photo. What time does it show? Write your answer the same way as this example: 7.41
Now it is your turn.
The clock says 11.09
